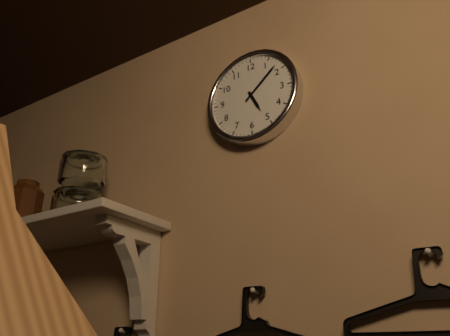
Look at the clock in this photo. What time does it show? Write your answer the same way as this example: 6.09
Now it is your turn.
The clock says 5.08
